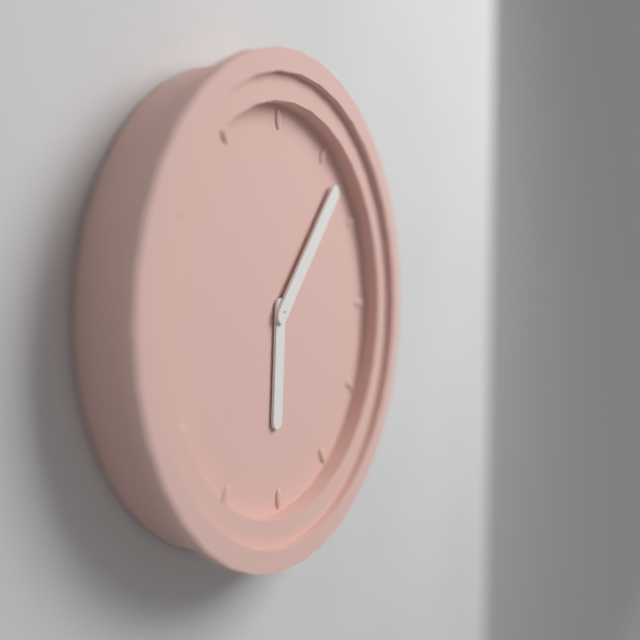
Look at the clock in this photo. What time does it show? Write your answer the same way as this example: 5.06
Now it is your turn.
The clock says 6.07
